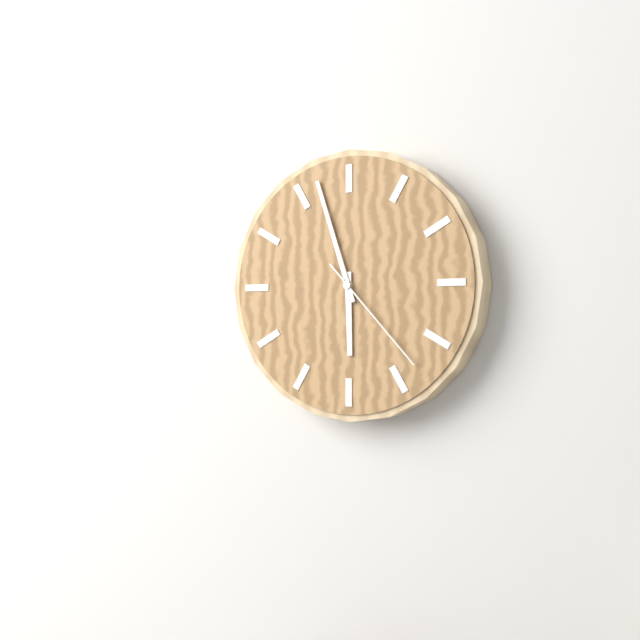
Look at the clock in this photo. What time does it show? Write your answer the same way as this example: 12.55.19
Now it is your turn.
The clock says 5.57.23
